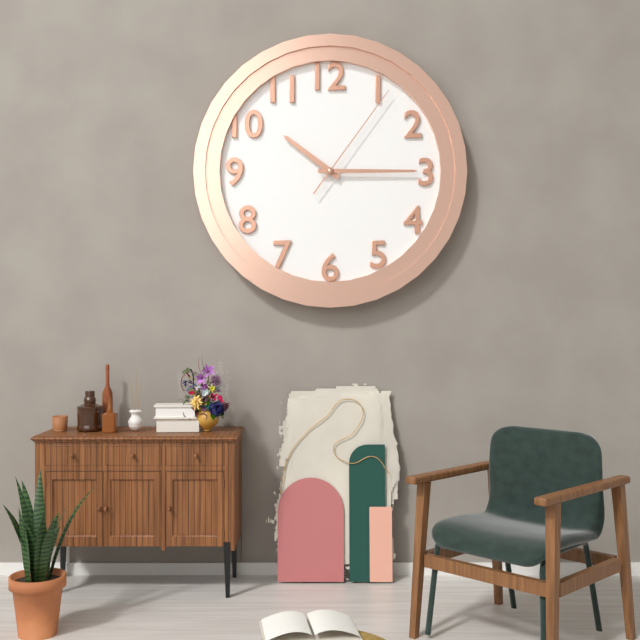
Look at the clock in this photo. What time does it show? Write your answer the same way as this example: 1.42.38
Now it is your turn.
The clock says 10.15.06
